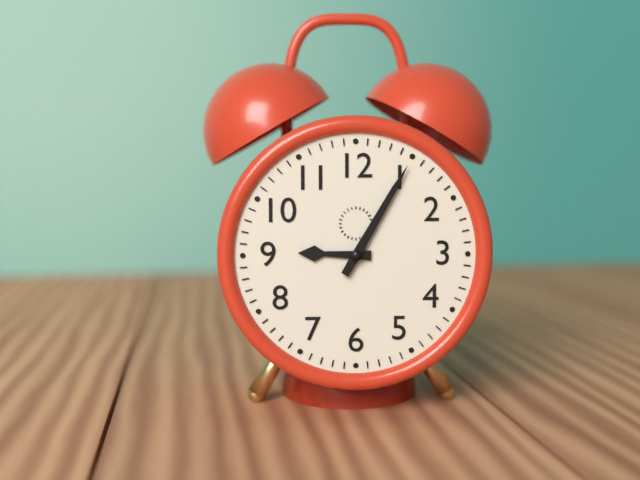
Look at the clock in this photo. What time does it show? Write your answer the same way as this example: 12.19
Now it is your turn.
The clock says 9.05
